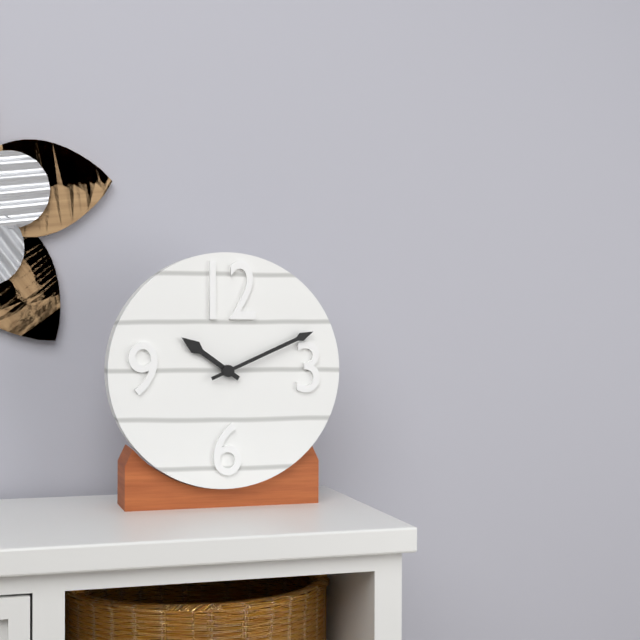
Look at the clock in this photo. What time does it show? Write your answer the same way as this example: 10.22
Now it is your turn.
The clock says 10.11
